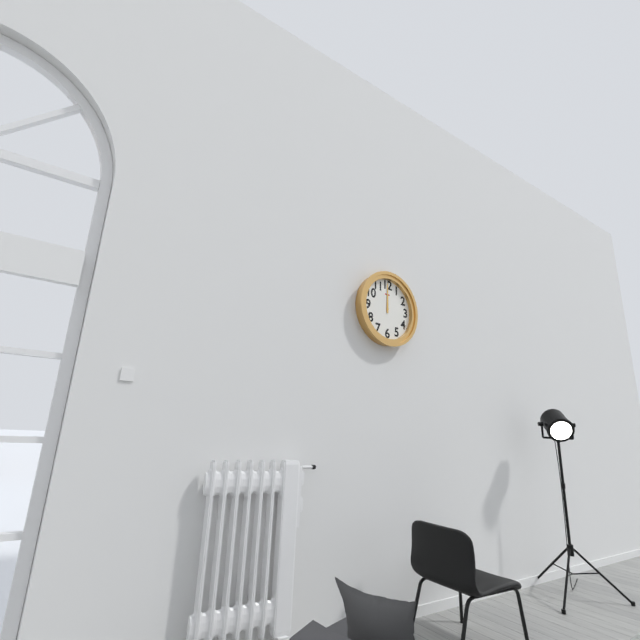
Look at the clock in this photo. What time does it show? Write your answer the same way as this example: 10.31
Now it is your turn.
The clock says 12.00
